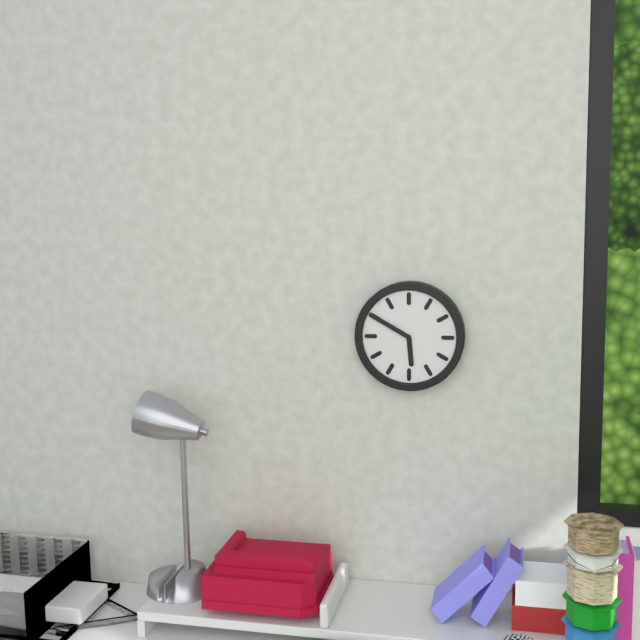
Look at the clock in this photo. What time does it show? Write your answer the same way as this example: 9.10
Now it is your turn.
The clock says 5.50
